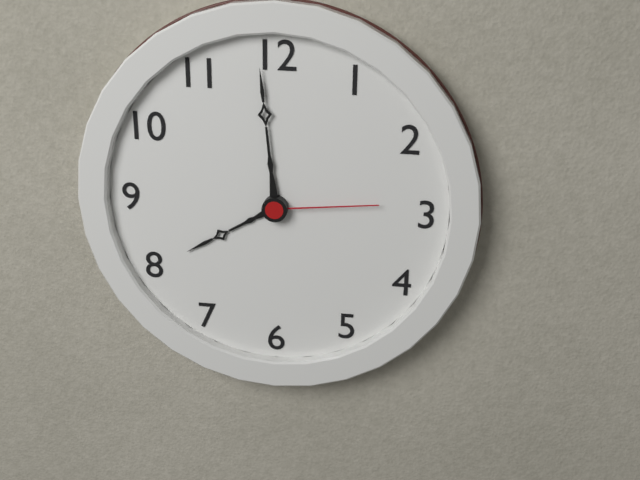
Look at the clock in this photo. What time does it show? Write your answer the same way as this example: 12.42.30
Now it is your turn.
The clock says 7.59.14
